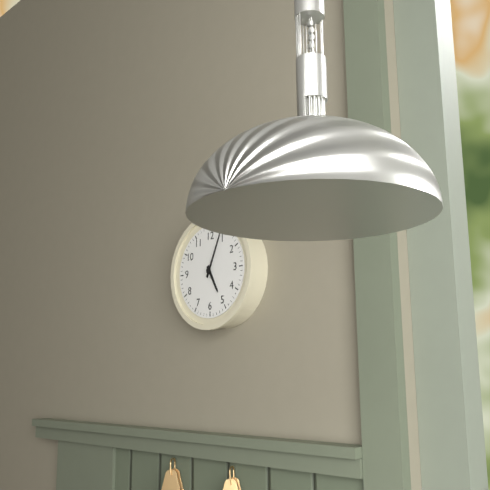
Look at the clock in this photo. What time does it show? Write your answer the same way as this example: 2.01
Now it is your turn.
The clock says 5.04
